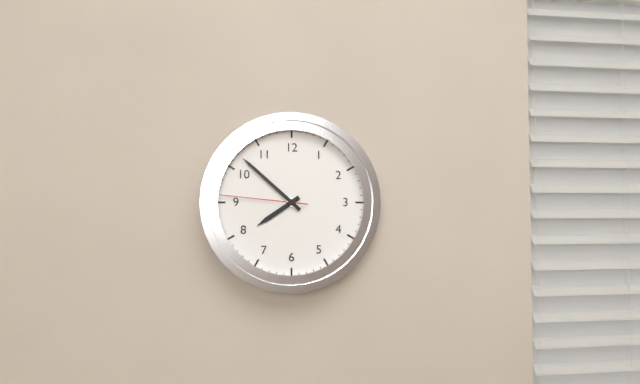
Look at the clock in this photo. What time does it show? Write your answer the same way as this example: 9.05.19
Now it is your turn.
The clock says 7.52.46
